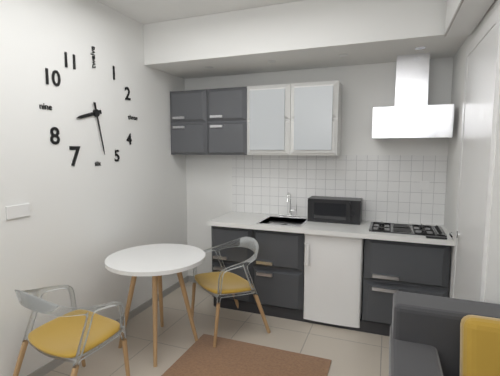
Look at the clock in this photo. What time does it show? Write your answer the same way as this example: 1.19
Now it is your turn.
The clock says 8.28
